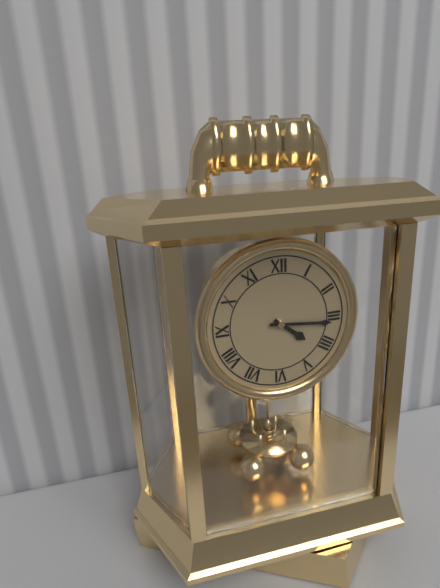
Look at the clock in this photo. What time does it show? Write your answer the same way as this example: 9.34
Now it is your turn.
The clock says 4.16
